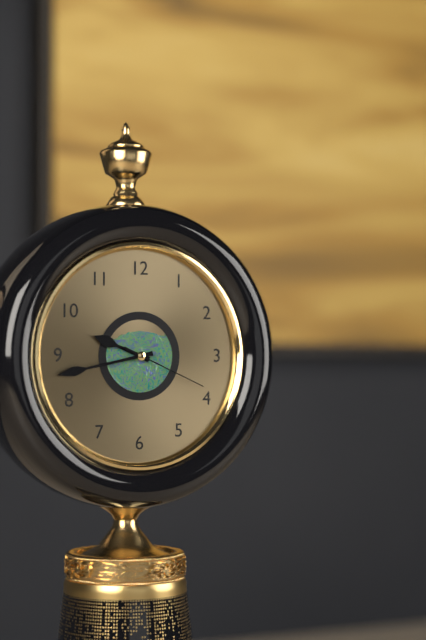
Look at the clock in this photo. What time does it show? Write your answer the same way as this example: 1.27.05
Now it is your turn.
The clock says 9.43.19
